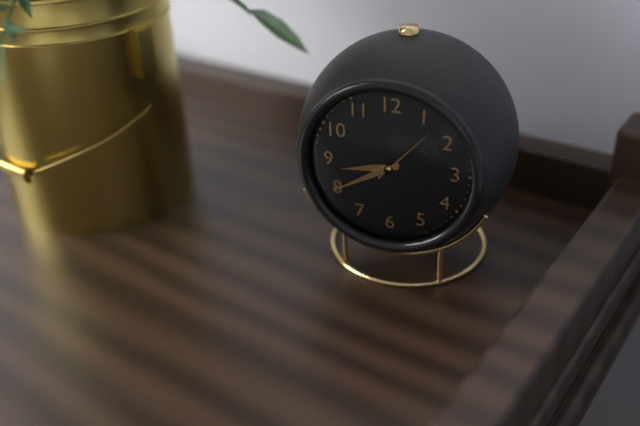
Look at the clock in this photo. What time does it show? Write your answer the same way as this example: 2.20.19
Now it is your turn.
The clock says 8.40.07
